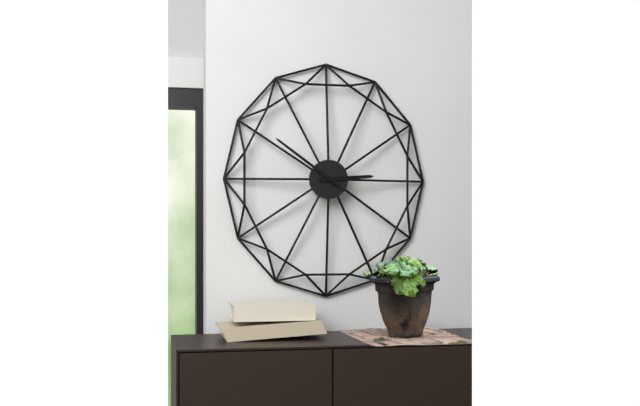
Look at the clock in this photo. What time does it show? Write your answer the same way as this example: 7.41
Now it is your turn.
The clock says 2.51
